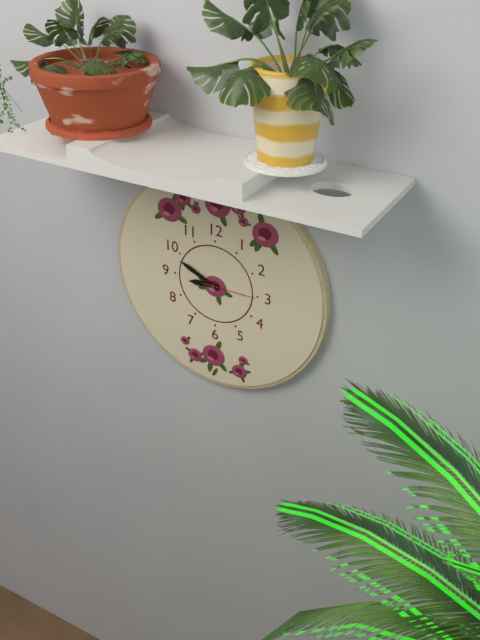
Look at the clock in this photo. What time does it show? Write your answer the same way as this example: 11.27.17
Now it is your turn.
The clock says 8.49.15
